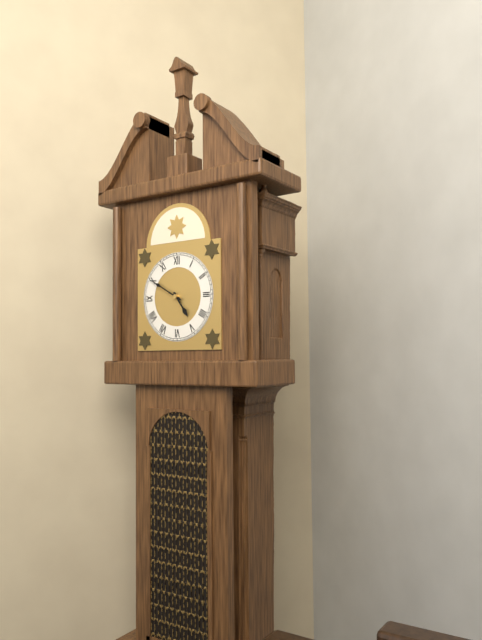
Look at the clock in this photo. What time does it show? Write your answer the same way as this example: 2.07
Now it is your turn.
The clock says 4.50
